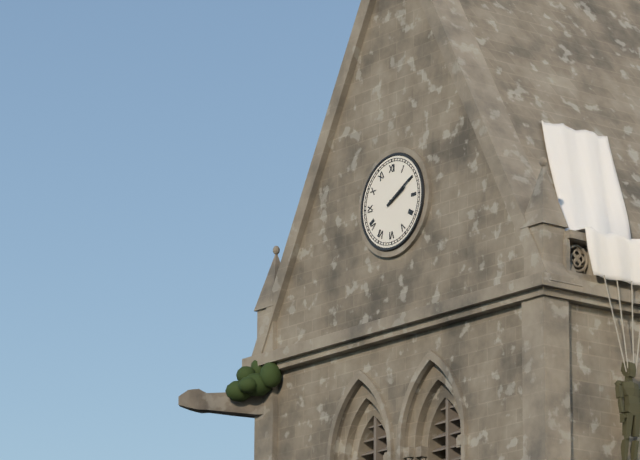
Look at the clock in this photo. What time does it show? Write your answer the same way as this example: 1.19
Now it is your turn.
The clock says 2.10
